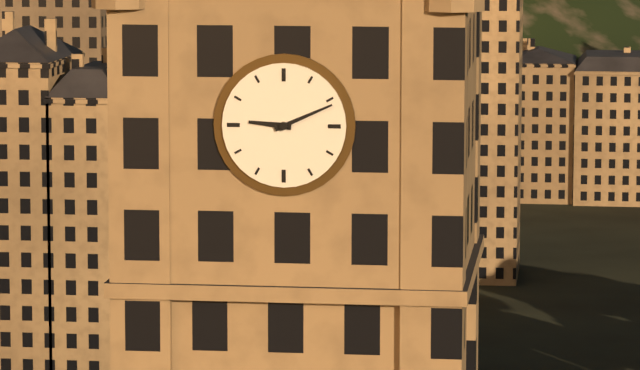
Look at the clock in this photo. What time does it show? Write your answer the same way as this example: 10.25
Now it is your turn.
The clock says 9.11
